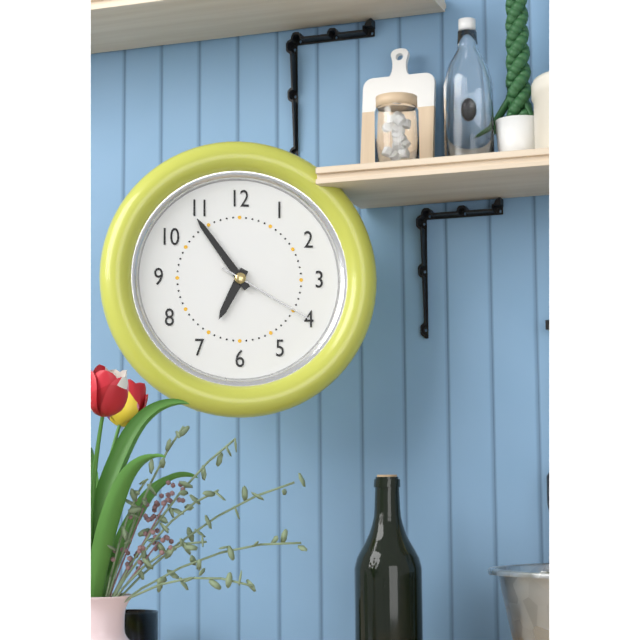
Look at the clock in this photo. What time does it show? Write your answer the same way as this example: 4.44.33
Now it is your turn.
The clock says 6.54.20
